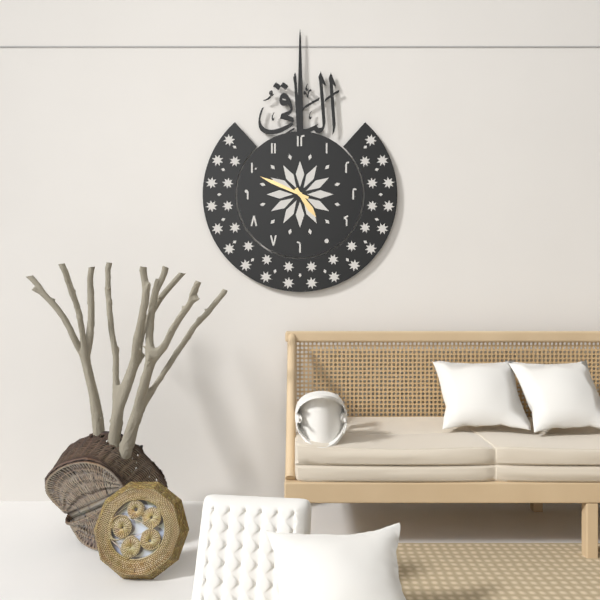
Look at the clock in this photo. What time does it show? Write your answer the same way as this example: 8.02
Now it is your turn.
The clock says 4.49
